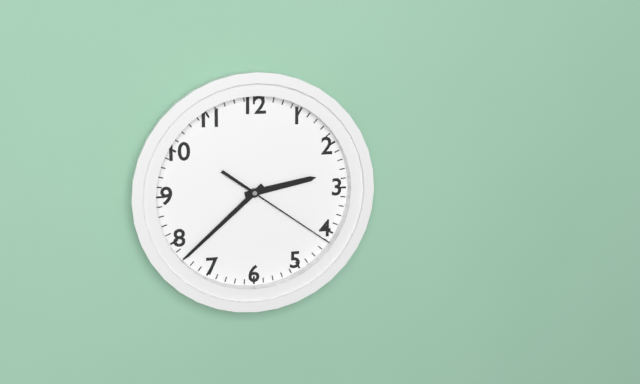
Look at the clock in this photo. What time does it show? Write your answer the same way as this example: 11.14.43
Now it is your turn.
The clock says 2.38.21
